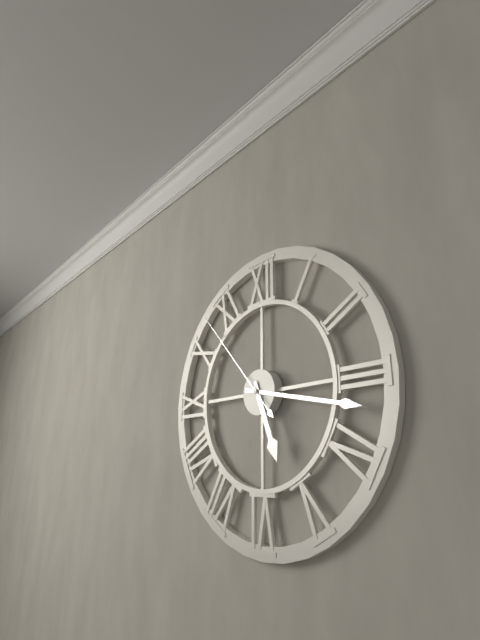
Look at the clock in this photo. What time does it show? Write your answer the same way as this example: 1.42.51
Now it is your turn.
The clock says 5.17.53
